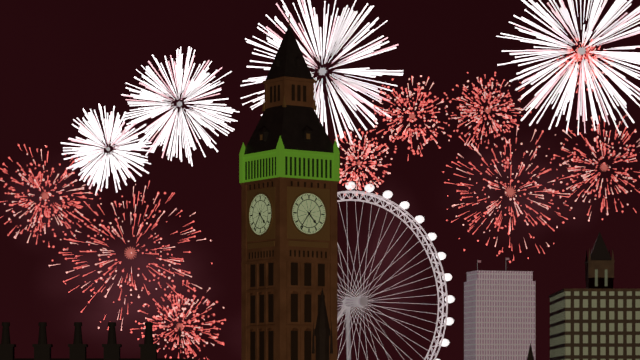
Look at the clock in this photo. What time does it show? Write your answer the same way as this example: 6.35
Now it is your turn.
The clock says 4.36
